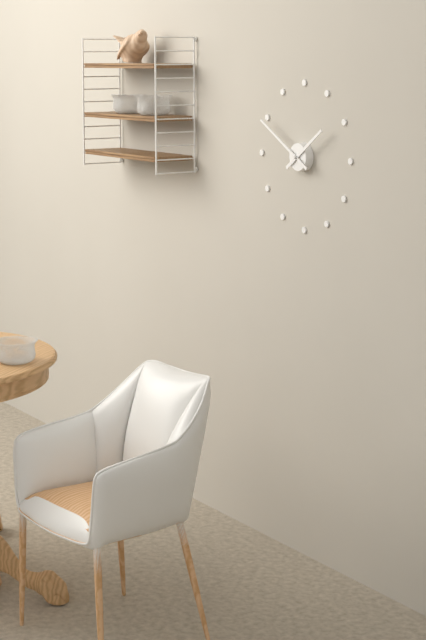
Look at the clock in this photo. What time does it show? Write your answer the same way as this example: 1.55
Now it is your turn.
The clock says 1.50
